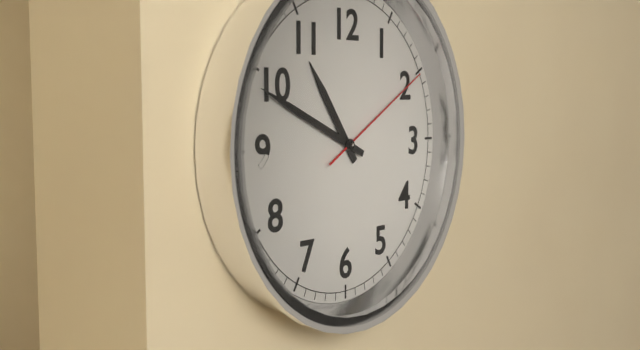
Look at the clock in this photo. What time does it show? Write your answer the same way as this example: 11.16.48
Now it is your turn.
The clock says 10.49.10
